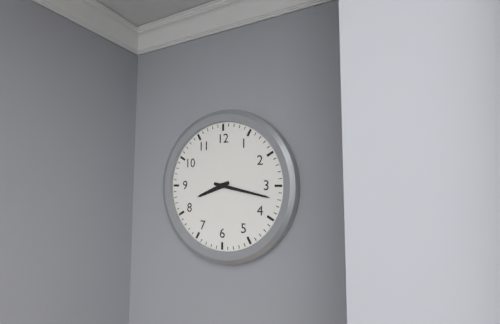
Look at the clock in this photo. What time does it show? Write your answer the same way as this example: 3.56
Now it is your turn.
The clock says 8.17
